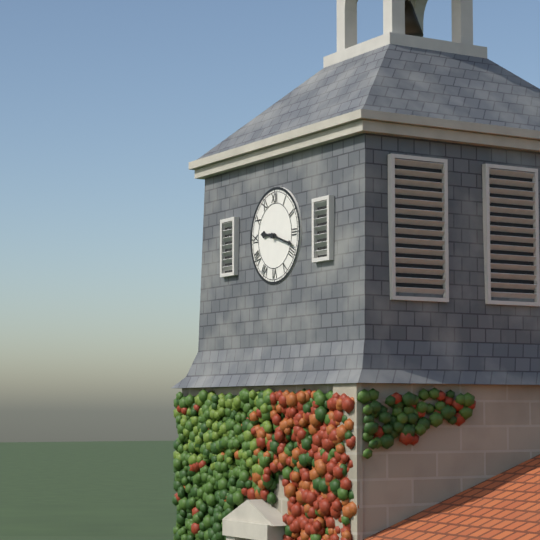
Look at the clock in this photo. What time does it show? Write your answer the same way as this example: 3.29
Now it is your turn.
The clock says 9.18
